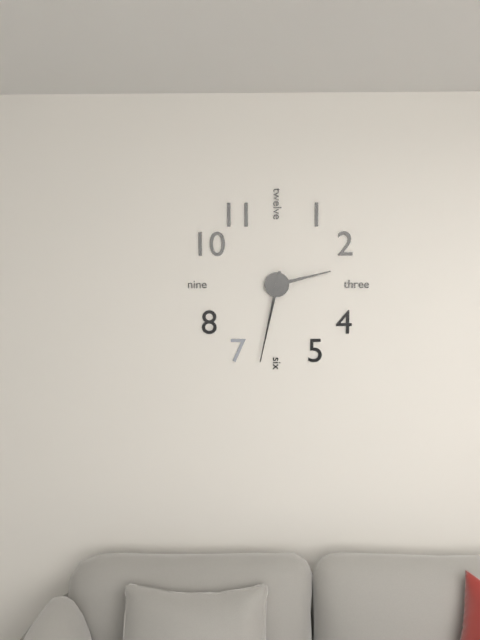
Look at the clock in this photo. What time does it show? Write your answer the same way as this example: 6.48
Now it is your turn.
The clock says 2.32
